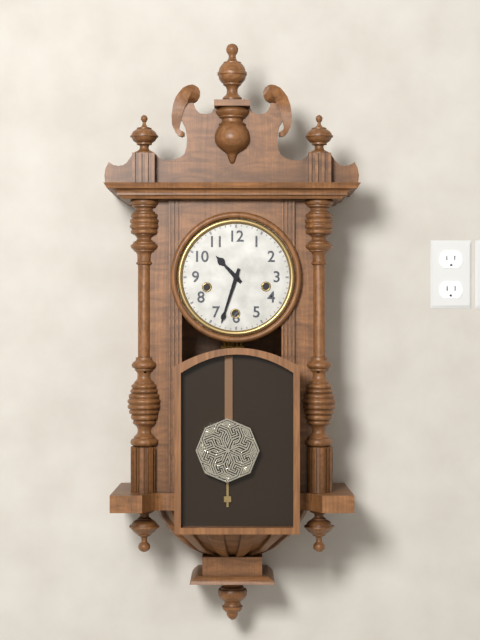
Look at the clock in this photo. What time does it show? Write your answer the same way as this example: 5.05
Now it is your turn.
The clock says 10.33
